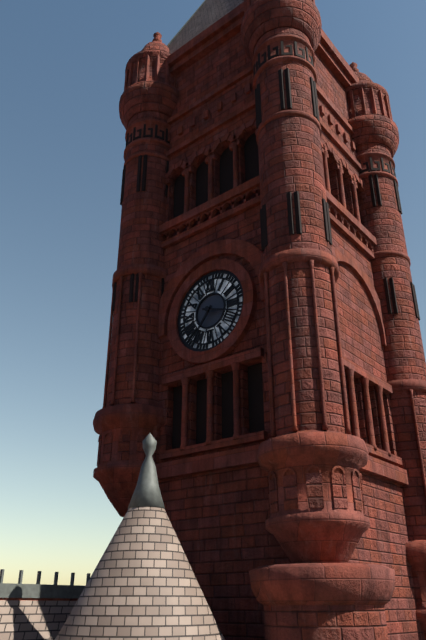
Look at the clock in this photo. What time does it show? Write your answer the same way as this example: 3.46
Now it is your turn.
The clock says 7.18
